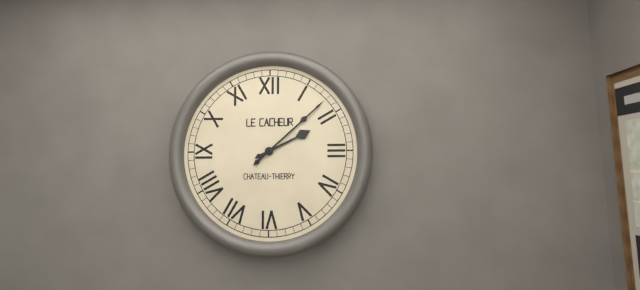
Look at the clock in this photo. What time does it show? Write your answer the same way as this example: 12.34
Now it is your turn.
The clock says 2.08
